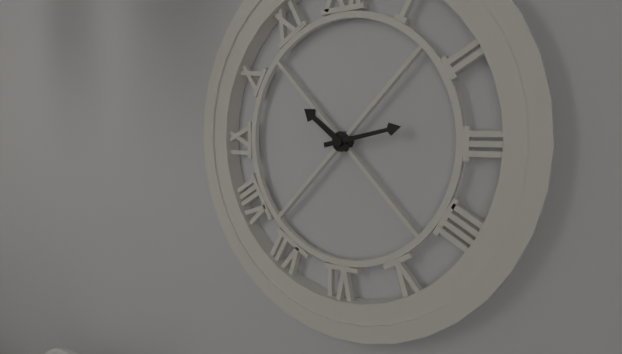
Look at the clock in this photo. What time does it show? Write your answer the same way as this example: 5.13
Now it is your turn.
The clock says 10.13
